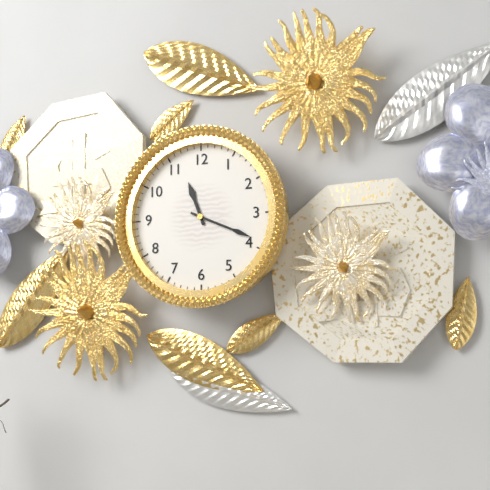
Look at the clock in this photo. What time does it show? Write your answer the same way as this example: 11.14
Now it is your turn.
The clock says 11.19
